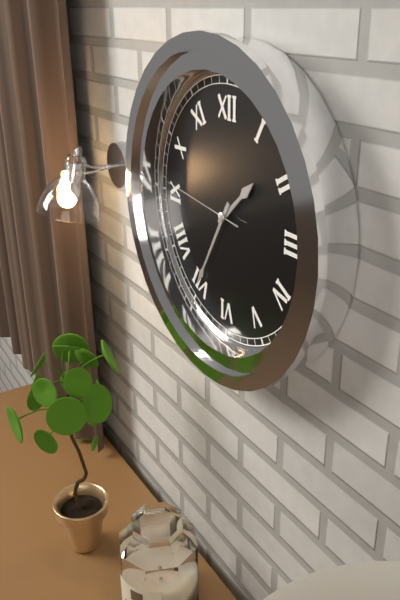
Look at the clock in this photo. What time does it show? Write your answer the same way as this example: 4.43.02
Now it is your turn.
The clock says 1.35.46
